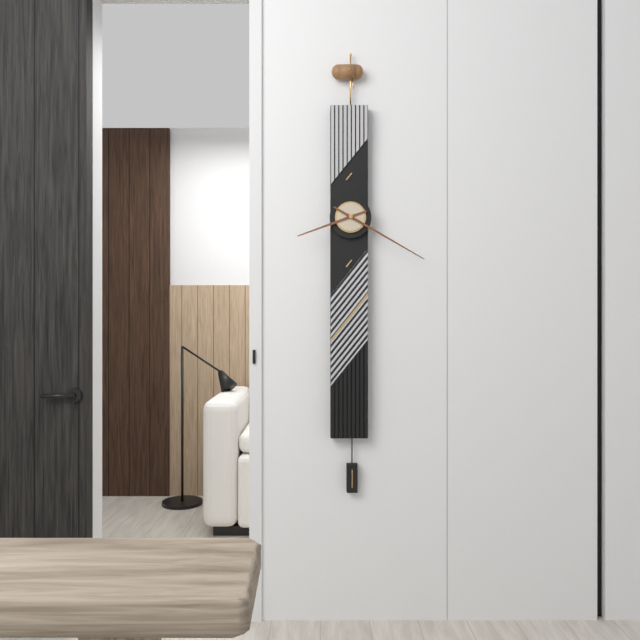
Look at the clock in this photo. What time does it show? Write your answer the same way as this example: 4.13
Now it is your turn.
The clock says 8.20
